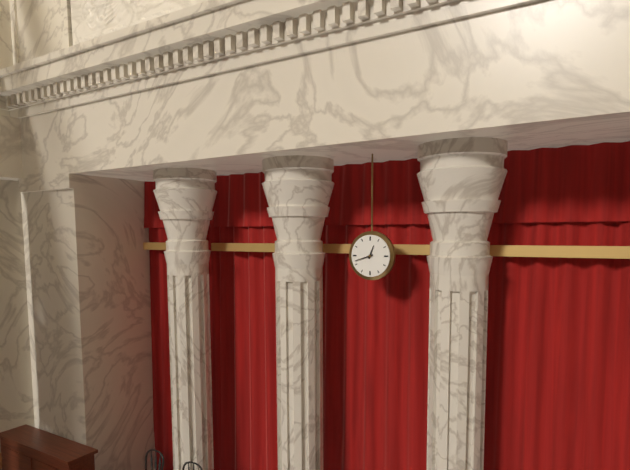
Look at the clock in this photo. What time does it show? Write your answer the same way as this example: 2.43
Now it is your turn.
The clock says 12.42
